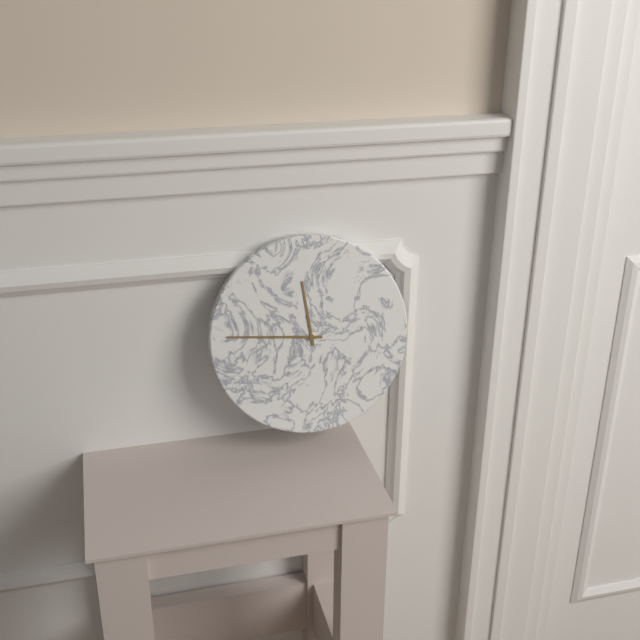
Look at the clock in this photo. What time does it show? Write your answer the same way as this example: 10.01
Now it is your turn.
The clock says 11.46
